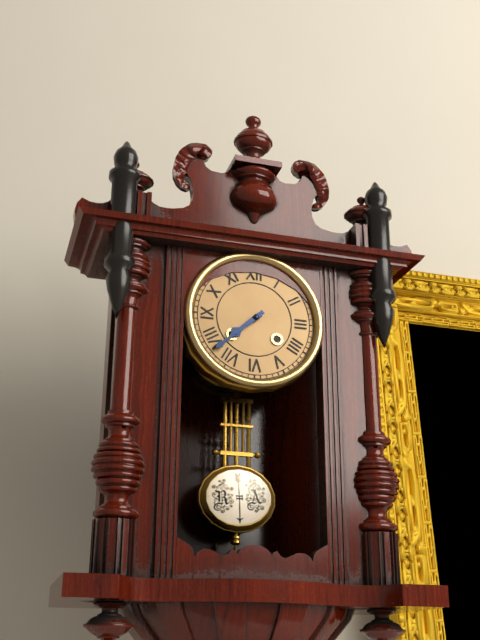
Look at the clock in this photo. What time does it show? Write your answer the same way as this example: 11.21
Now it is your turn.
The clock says 7.38
